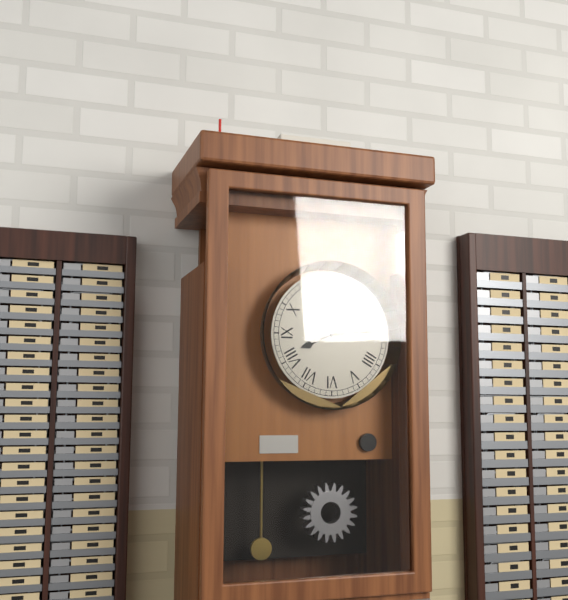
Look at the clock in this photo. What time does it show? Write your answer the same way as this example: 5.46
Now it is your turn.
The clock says 8.14
